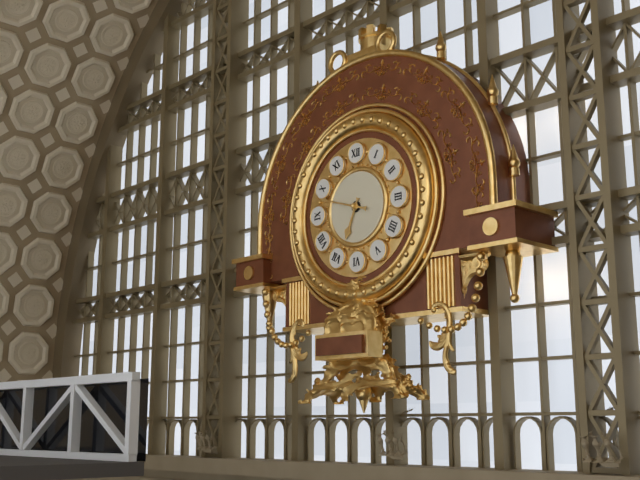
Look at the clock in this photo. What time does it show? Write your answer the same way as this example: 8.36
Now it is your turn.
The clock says 6.48
